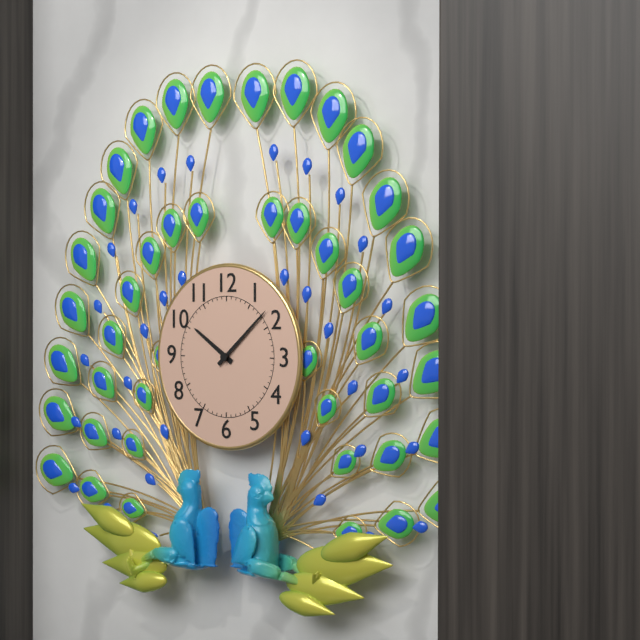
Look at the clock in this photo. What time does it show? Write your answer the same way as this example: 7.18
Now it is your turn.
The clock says 10.08
